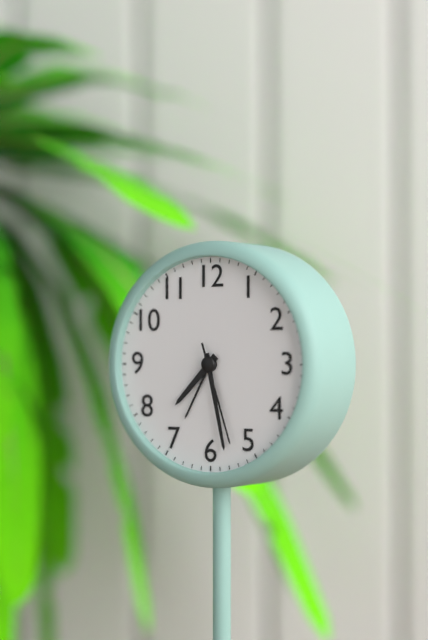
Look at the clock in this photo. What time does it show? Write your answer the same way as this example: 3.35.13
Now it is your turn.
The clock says 7.28.27
